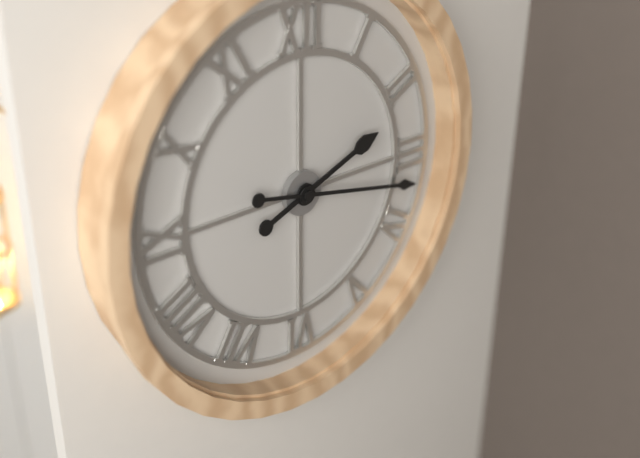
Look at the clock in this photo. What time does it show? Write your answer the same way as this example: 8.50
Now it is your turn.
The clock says 2.17
